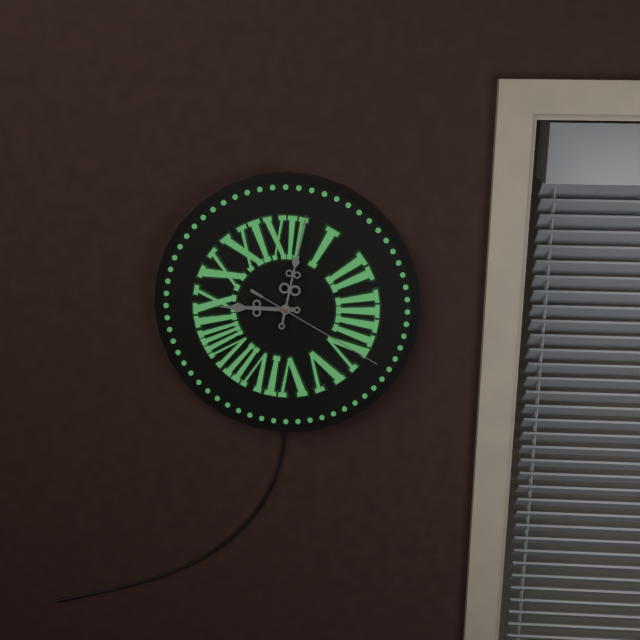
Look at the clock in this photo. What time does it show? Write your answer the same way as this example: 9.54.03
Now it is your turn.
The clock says 9.02.20
